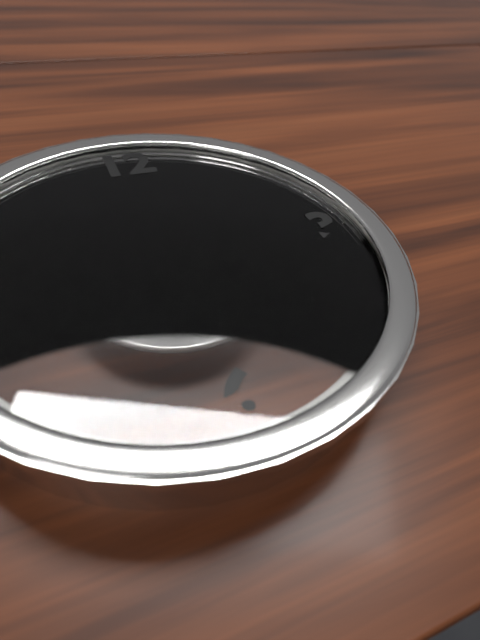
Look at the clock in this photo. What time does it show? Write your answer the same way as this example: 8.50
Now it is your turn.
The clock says 11.15
